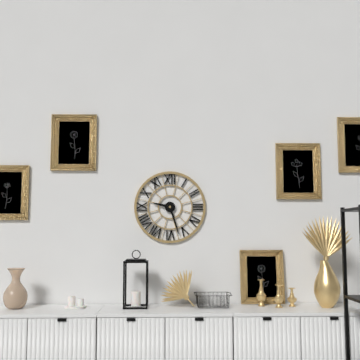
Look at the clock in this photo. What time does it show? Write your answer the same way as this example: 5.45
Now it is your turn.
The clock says 9.27
